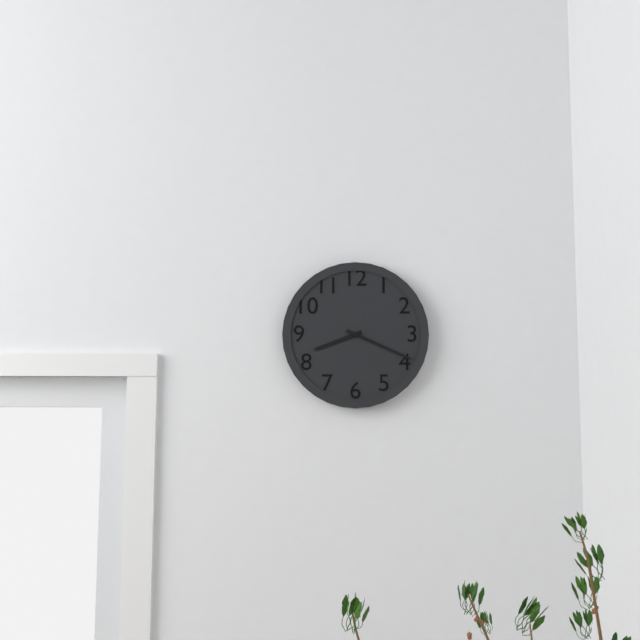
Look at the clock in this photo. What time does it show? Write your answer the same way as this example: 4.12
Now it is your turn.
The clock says 8.19
